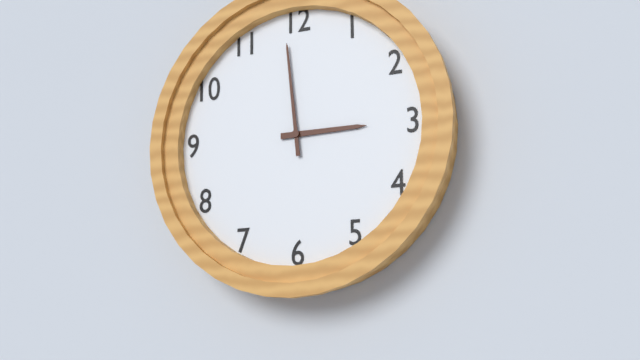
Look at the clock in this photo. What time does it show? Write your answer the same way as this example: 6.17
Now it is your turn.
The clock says 2.59
